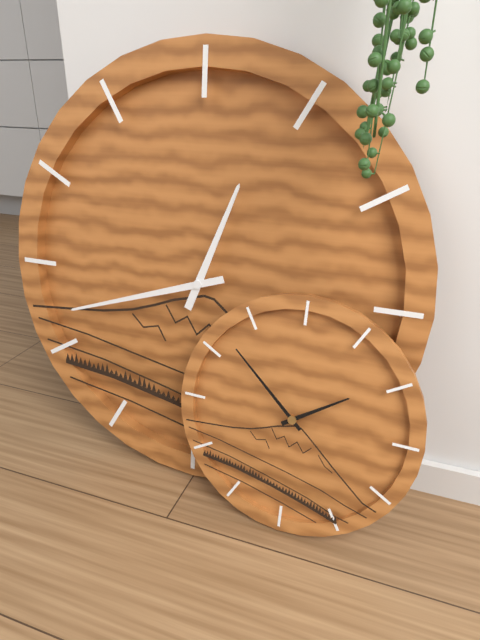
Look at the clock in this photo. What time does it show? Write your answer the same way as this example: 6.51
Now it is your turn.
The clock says 12.42
